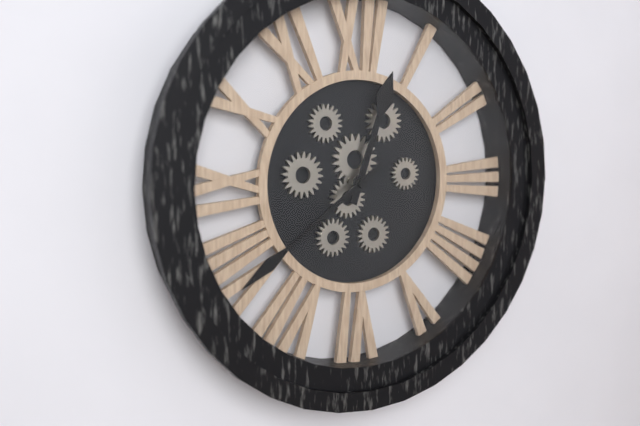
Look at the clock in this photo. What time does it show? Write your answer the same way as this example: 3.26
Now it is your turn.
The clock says 12.39
